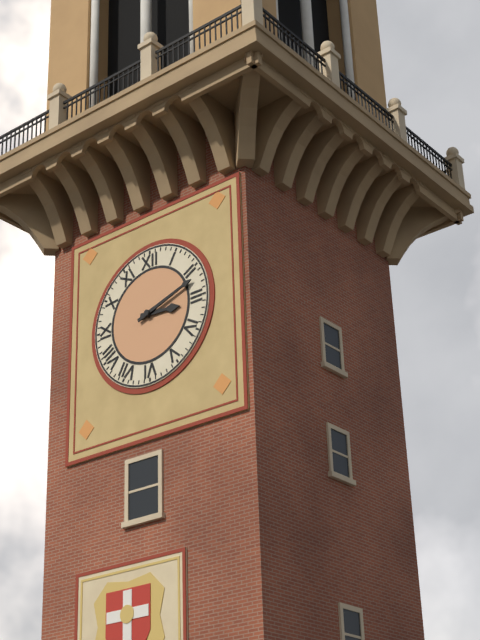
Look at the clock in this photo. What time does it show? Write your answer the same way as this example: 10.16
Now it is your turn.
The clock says 3.12
